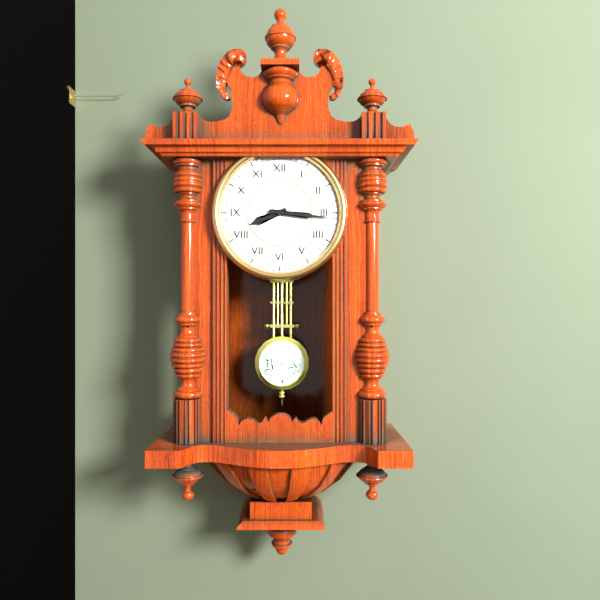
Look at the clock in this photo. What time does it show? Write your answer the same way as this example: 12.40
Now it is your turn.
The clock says 8.16
